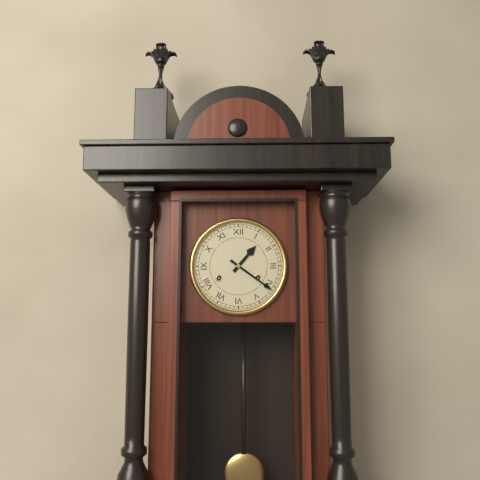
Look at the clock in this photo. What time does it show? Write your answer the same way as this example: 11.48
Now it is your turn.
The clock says 1.21
